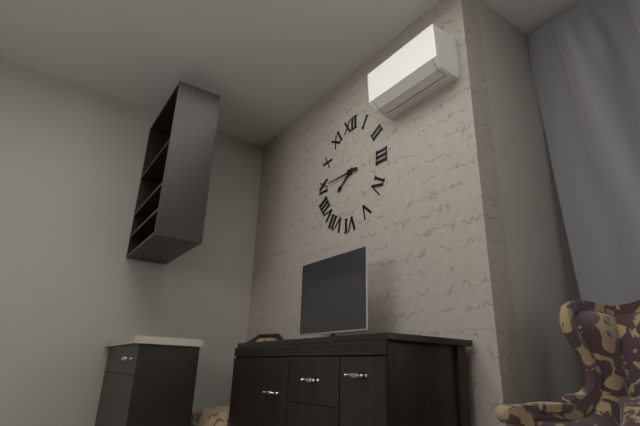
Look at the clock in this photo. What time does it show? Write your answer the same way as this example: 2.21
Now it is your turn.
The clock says 7.45
